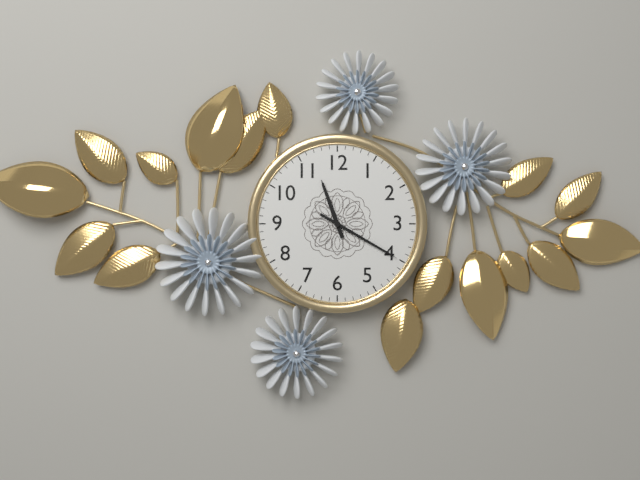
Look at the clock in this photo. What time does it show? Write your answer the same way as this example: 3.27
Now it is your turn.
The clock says 11.20
